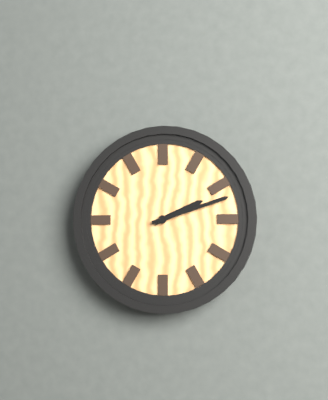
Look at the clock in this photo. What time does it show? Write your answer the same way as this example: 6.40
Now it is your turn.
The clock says 2.12
